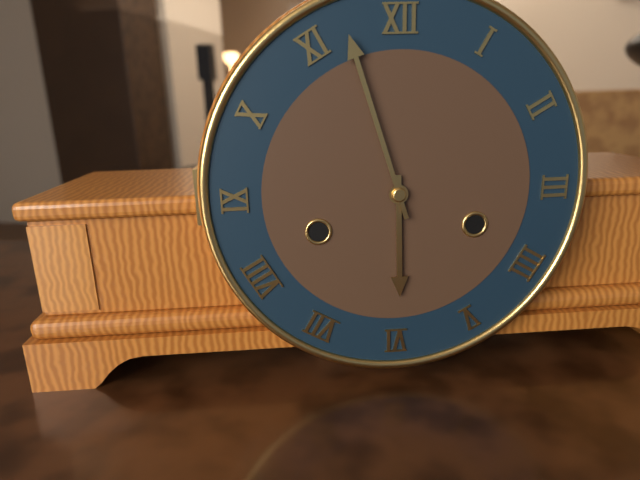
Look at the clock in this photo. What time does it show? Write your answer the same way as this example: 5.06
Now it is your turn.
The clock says 5.57
